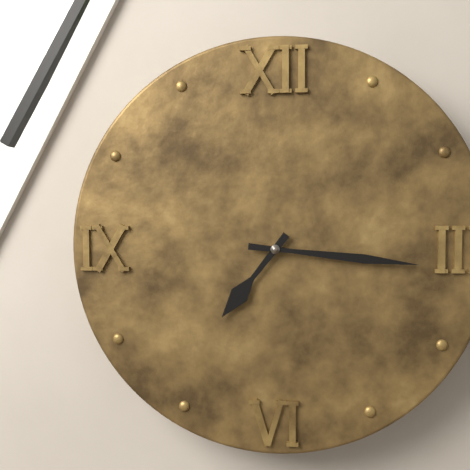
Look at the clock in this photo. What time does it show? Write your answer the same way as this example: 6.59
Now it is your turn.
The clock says 7.16
